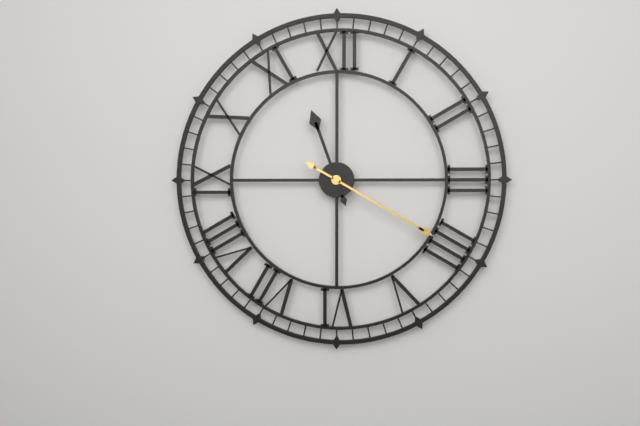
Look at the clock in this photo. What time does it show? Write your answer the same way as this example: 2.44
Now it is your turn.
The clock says 11.20
